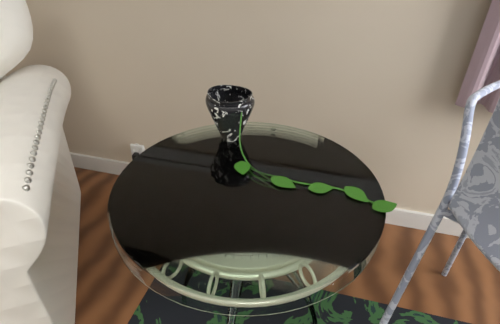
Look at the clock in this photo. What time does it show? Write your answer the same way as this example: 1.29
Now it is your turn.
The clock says 4.13
